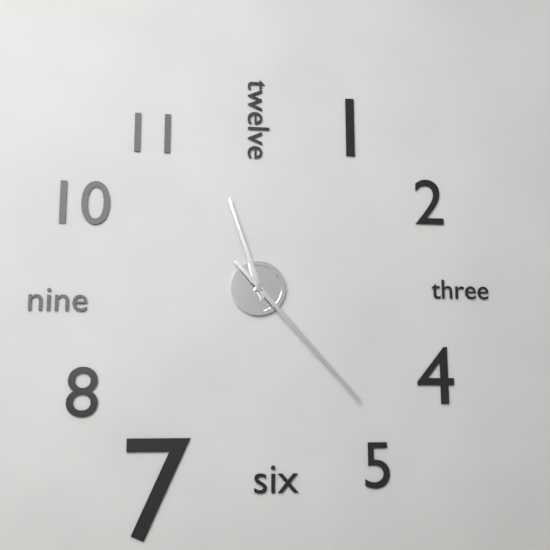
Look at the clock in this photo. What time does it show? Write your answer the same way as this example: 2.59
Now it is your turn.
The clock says 11.23
